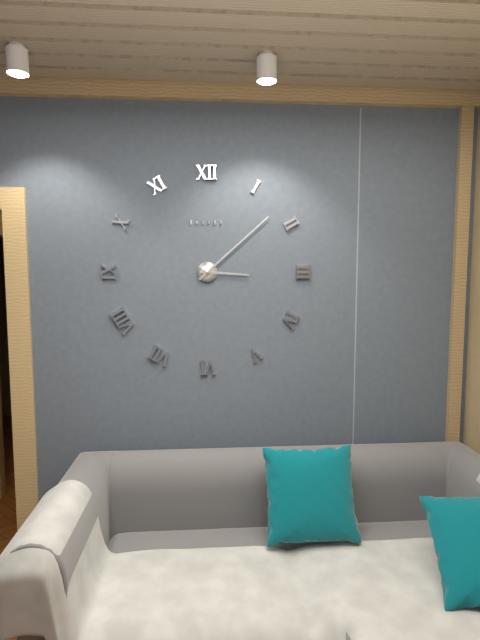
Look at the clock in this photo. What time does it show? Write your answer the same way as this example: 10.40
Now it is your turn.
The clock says 3.08
